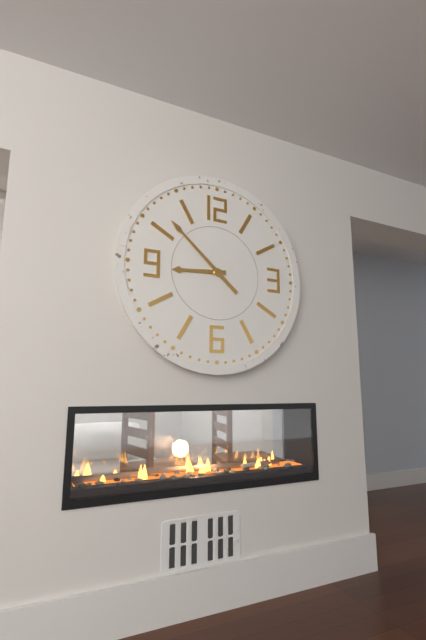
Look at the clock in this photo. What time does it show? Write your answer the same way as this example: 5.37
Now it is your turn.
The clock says 8.52
